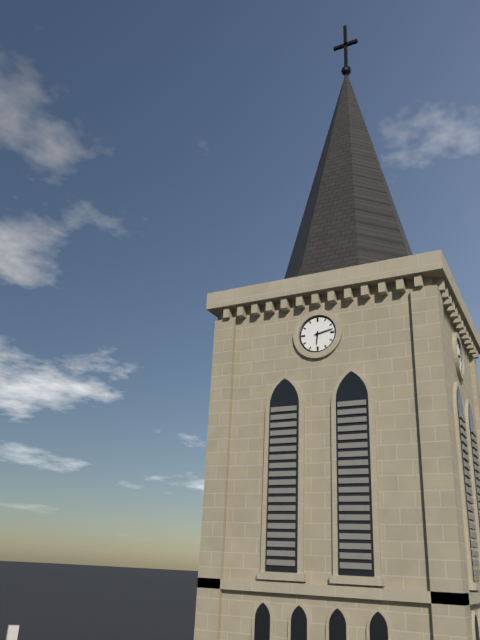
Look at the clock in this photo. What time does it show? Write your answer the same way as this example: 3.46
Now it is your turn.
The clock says 6.13
